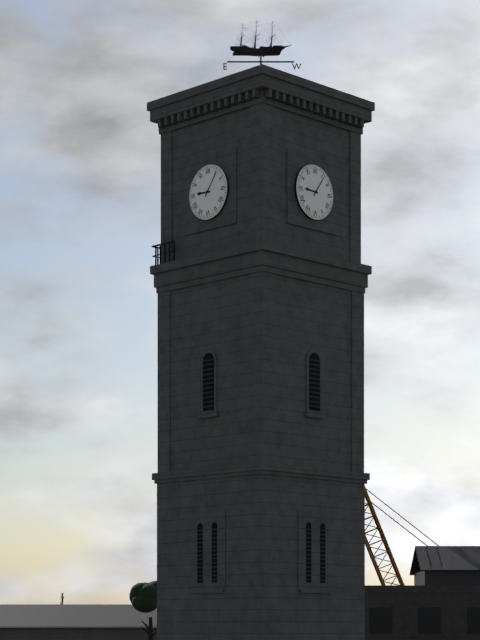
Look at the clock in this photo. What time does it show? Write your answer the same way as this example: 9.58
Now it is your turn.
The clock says 9.06
